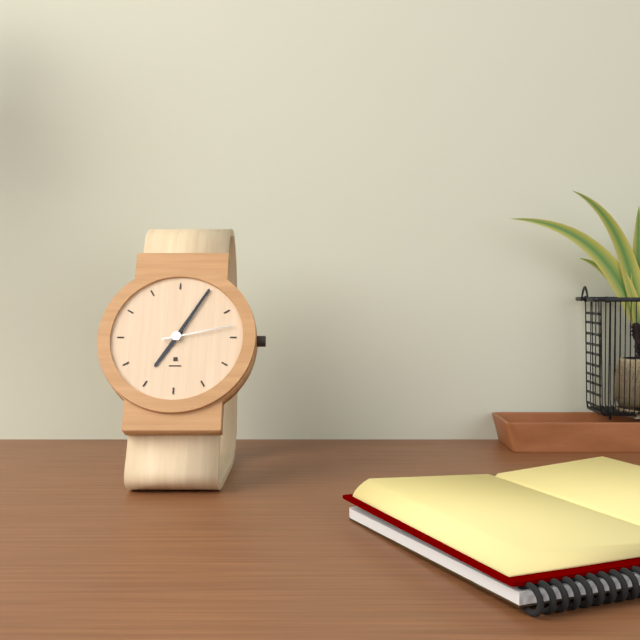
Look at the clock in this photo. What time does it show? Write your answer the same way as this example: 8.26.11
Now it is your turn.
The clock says 7.05.13
